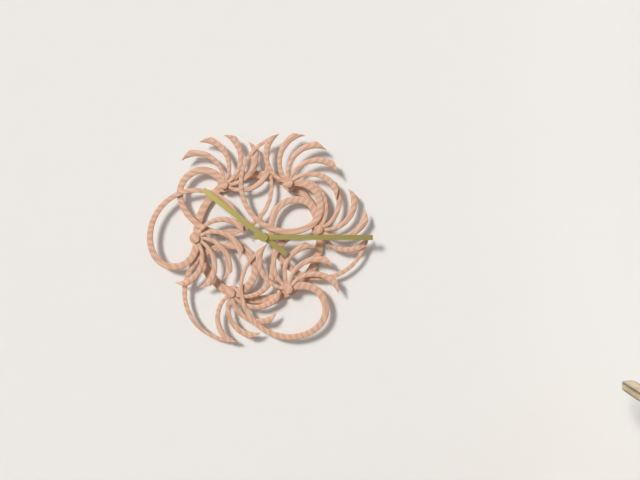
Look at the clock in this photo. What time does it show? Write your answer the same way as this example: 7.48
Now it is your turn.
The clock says 10.15
